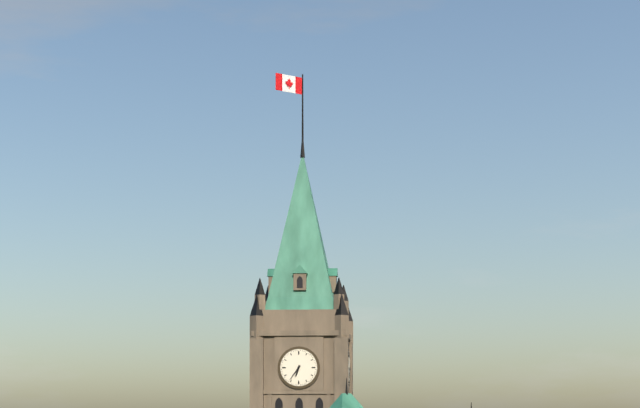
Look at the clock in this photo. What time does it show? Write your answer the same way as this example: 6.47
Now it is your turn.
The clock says 6.36
